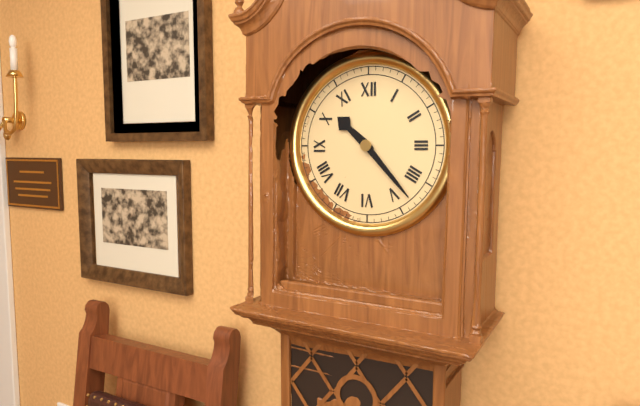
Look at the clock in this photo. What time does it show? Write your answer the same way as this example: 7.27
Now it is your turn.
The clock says 10.23
